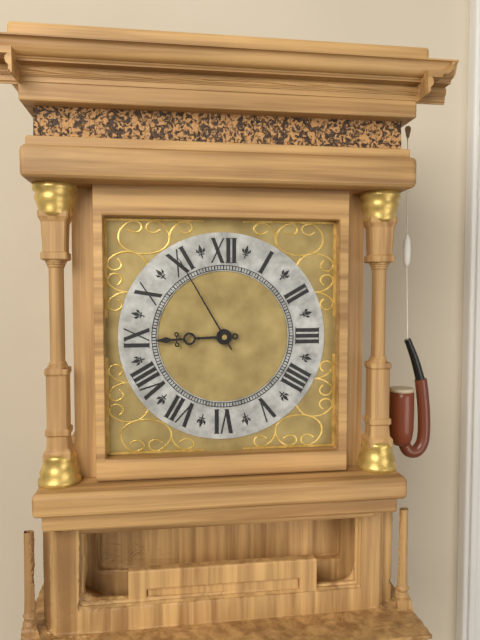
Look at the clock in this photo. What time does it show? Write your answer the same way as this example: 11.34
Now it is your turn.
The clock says 8.55
